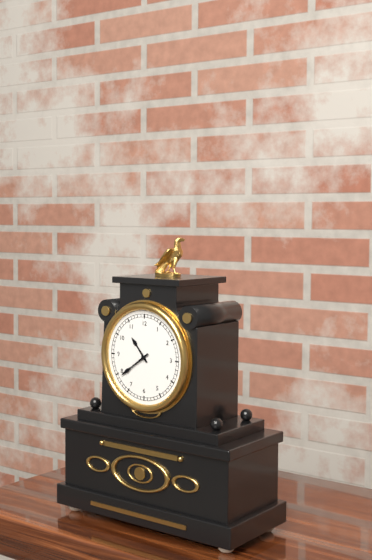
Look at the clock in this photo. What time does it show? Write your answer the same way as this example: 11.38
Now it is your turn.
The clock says 10.39
